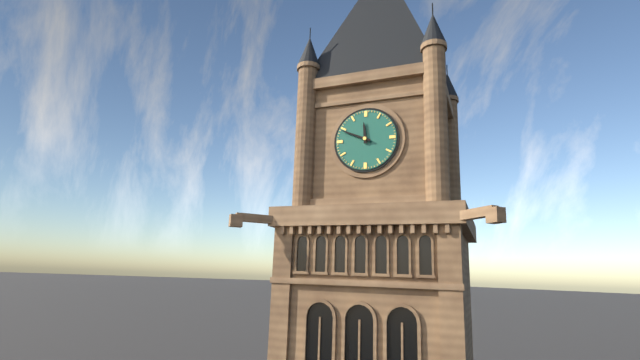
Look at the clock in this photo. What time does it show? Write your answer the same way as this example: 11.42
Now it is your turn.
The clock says 11.49
